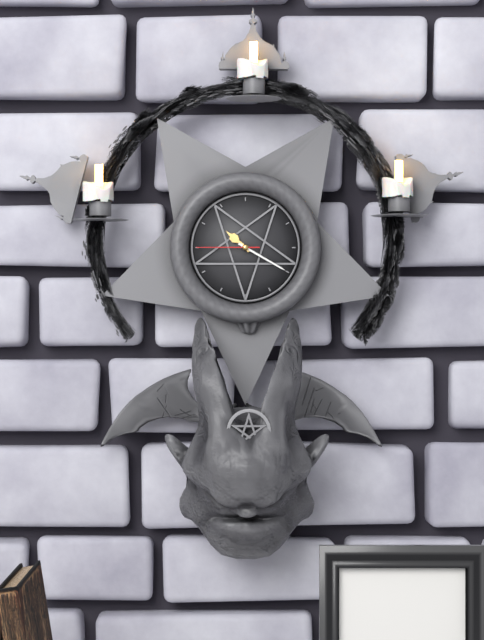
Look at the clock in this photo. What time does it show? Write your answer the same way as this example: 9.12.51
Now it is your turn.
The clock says 10.20.45
